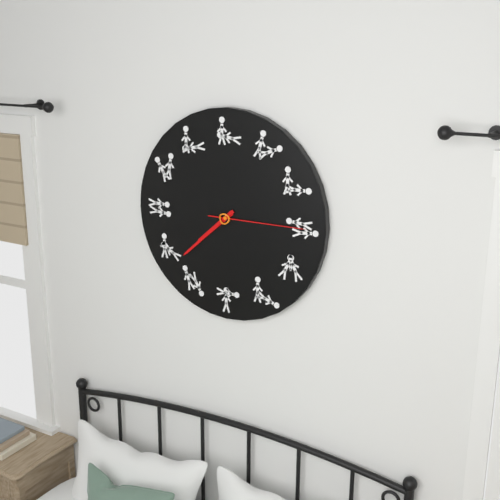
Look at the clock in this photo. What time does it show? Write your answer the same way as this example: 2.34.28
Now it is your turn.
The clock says 7.38.15
